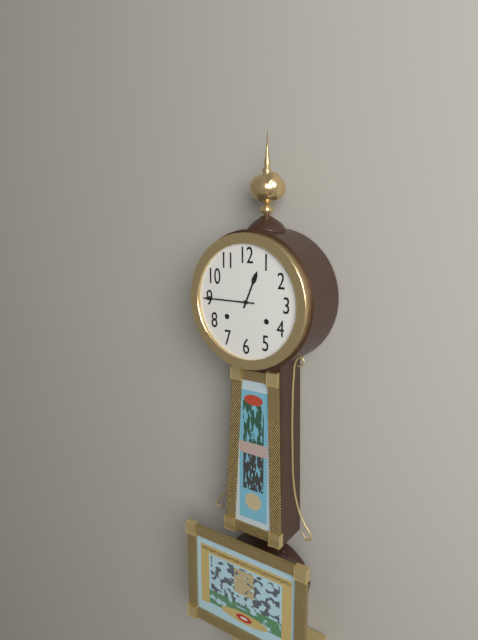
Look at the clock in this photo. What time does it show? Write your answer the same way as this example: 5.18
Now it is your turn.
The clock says 12.45
